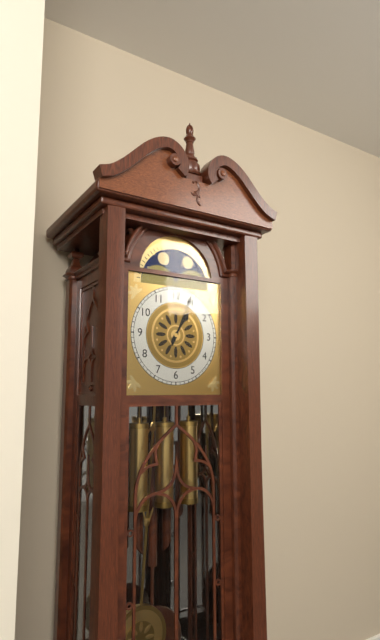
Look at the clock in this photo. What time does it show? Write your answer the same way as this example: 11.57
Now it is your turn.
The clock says 1.04
